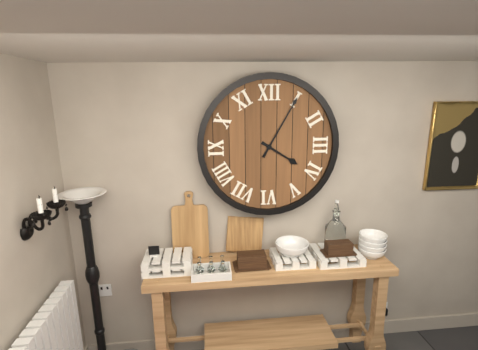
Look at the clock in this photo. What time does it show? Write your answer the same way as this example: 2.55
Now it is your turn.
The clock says 4.05
